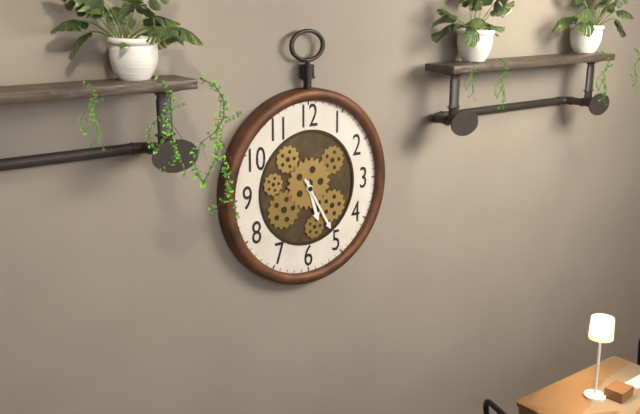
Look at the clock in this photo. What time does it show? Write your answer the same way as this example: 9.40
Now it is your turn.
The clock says 5.25
